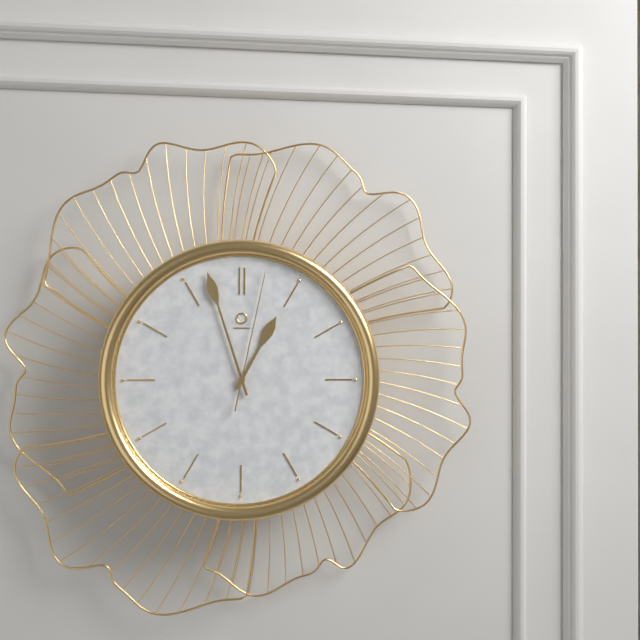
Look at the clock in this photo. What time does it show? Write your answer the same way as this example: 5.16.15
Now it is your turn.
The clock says 12.57.02
